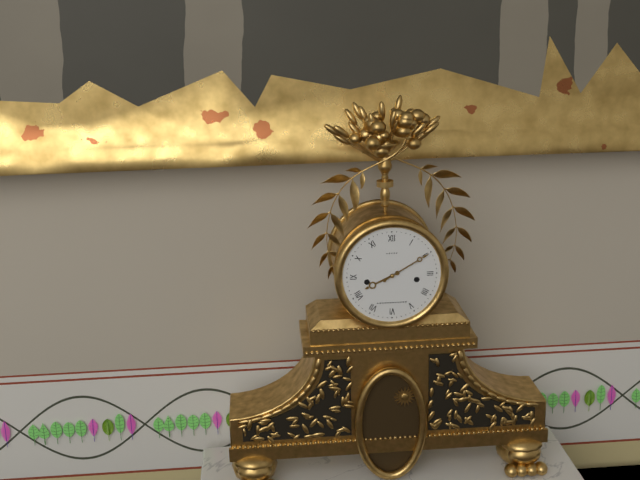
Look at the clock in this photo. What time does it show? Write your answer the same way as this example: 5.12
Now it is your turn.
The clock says 8.10
